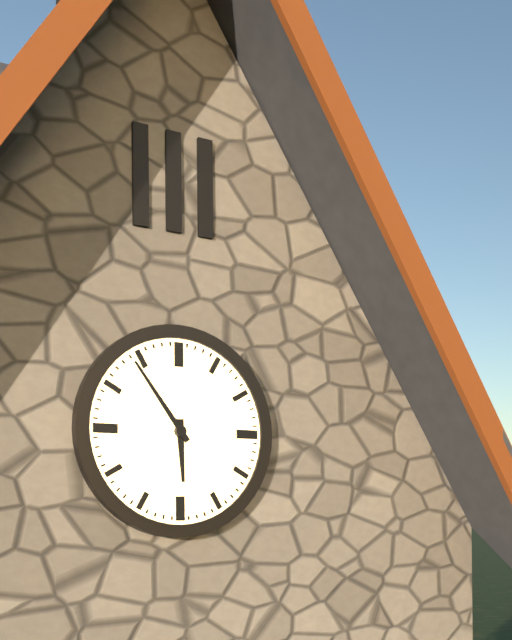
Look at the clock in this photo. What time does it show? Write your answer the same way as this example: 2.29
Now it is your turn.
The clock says 5.54
